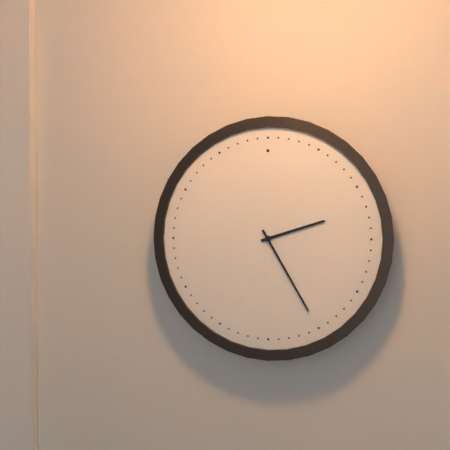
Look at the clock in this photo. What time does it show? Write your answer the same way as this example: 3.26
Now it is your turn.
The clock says 2.25
